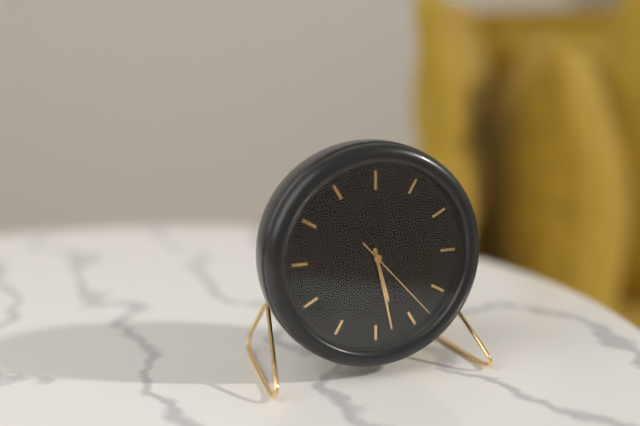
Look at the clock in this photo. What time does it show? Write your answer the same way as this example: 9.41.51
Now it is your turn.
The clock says 5.28.23
